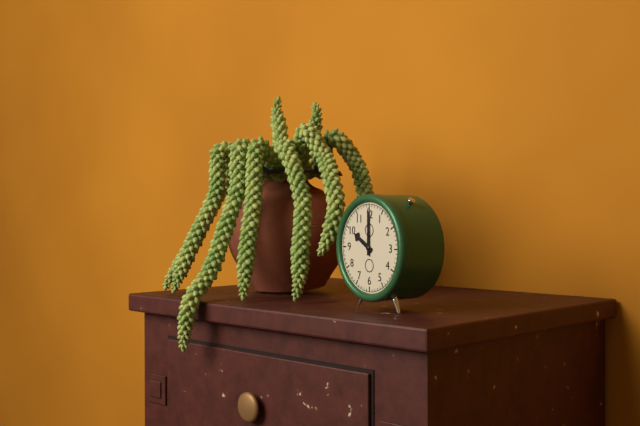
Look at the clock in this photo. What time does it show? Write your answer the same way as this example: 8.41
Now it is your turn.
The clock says 10.00
